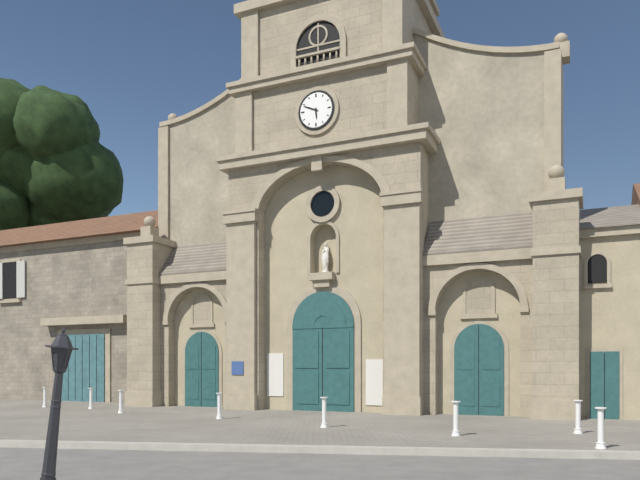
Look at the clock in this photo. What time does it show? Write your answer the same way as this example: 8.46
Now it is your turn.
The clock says 5.49
